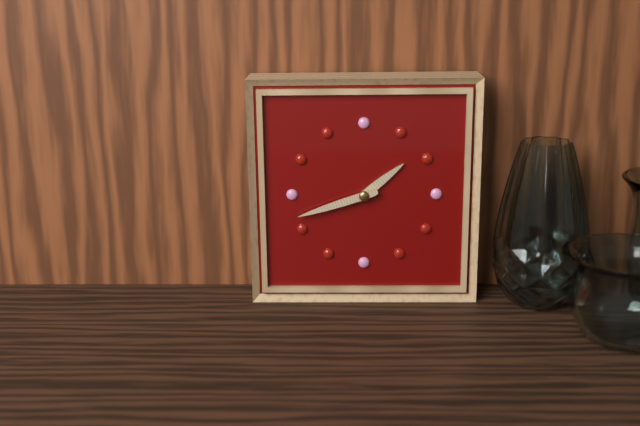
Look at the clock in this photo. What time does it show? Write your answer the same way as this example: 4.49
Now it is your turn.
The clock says 1.42
